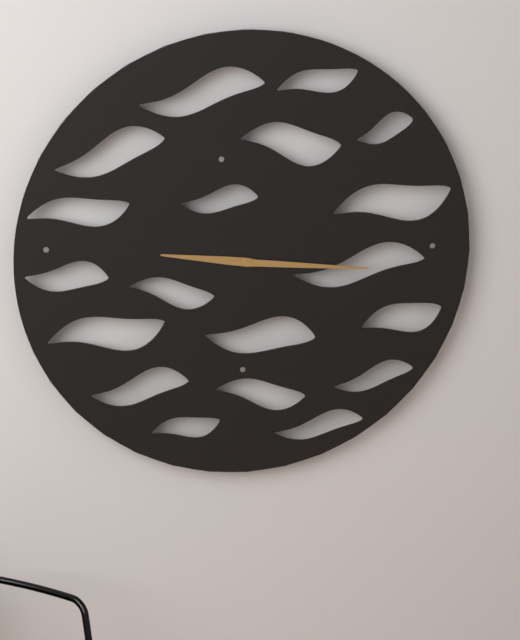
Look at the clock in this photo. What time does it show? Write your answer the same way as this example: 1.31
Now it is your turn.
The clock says 9.16
